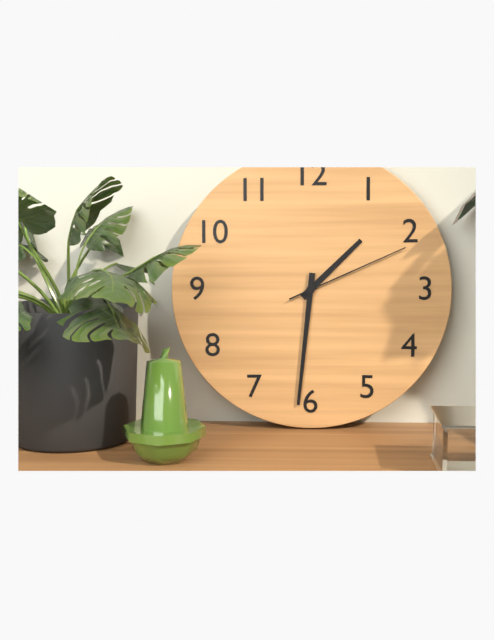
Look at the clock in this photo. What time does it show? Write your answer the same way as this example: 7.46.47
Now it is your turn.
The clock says 1.31.11
